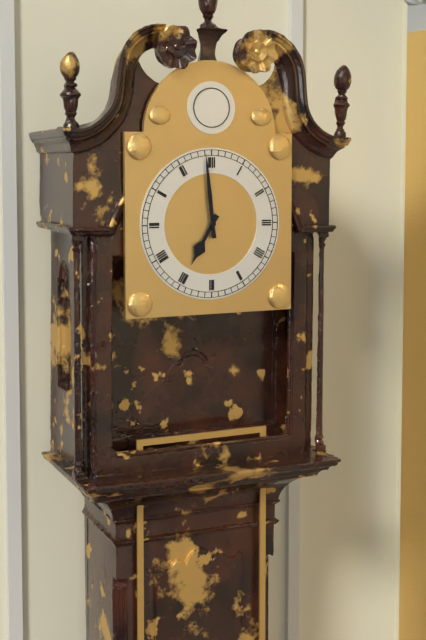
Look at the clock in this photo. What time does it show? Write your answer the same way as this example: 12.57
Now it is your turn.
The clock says 6.59
